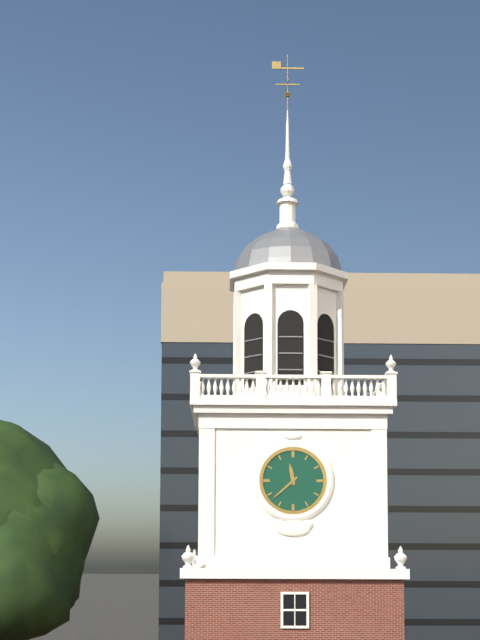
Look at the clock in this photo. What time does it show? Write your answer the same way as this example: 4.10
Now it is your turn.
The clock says 11.38
